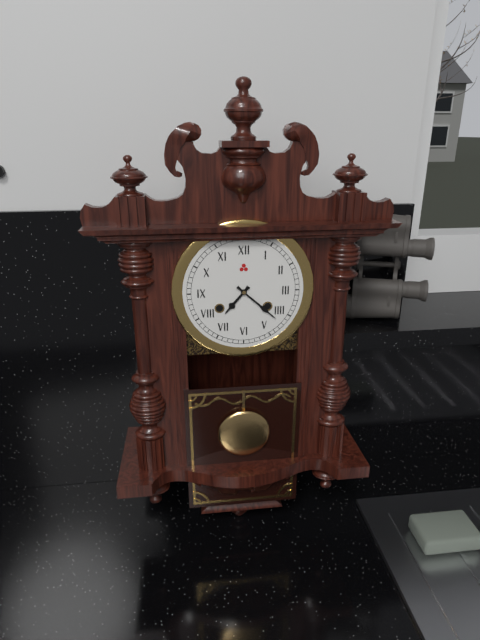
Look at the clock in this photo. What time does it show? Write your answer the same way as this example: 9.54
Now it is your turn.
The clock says 7.22
